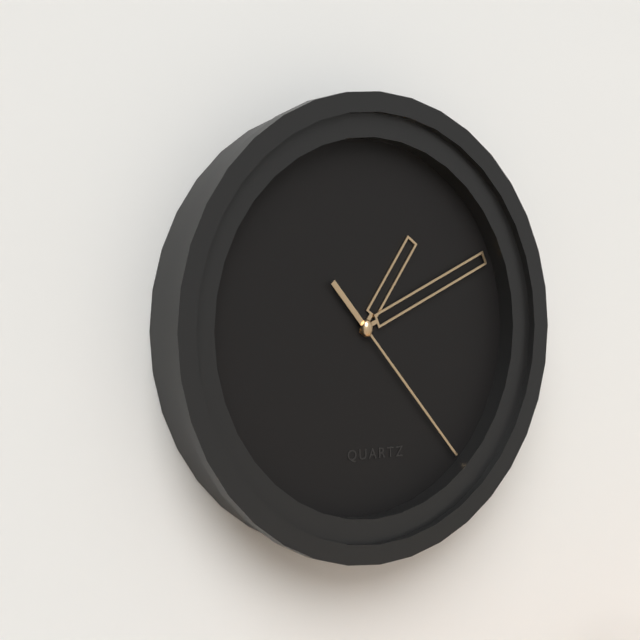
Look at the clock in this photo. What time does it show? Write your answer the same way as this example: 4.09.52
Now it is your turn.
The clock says 1.11.23
